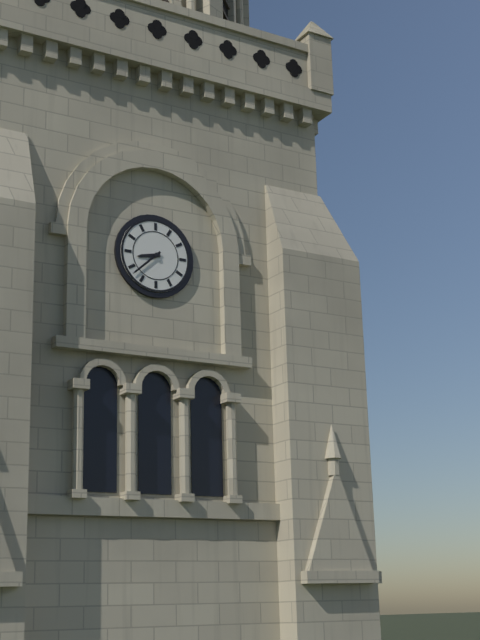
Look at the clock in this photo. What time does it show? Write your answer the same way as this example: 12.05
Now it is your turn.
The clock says 8.38
